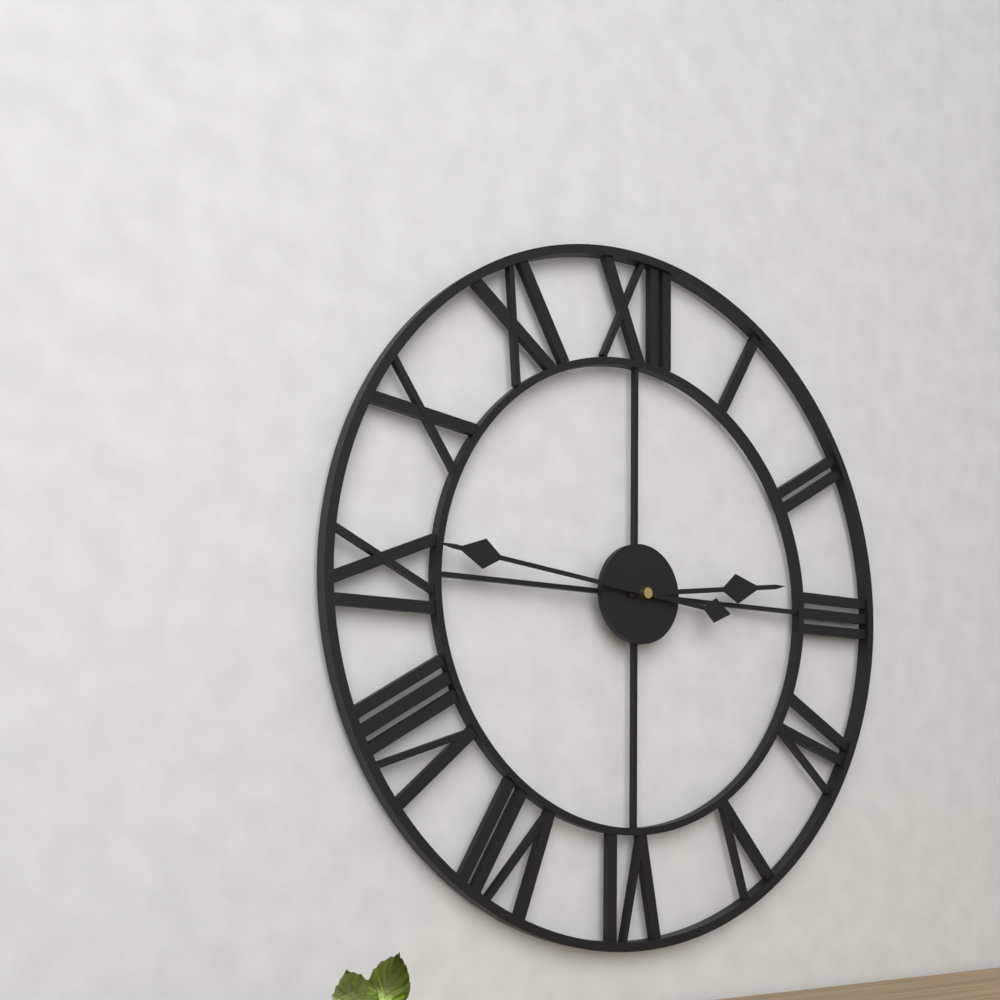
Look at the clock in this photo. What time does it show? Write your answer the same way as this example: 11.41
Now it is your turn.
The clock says 2.46
